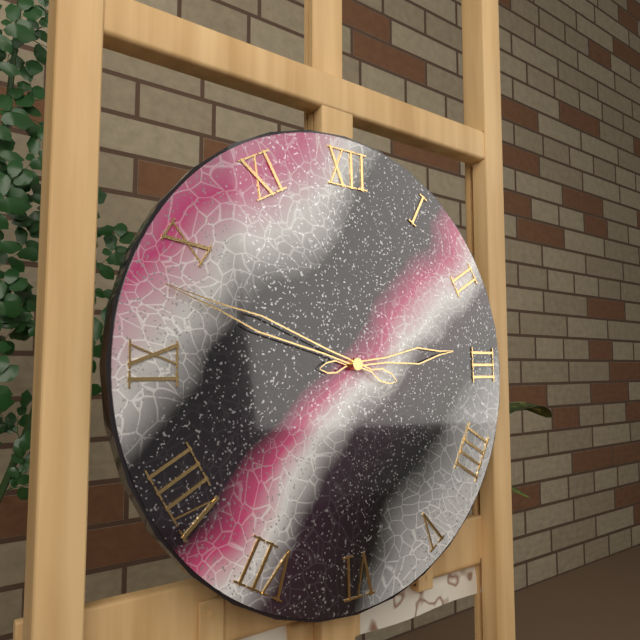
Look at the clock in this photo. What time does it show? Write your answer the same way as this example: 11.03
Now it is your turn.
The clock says 2.48
